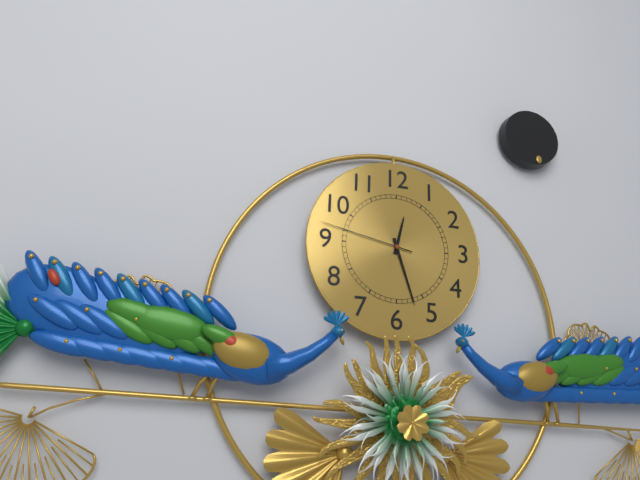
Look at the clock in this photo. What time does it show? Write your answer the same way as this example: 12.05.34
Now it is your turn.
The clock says 12.27.47
